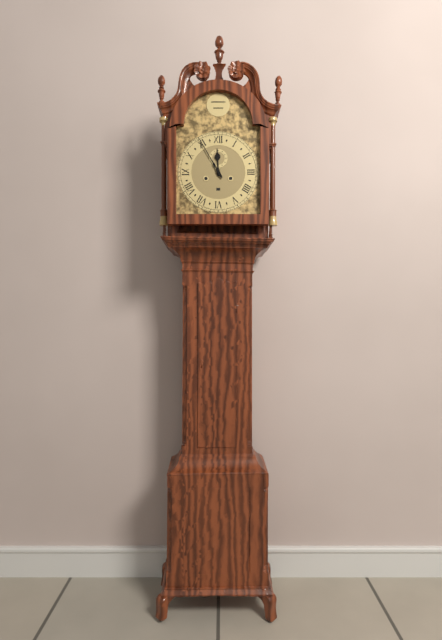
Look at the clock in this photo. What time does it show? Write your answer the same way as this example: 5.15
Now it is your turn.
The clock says 11.55
